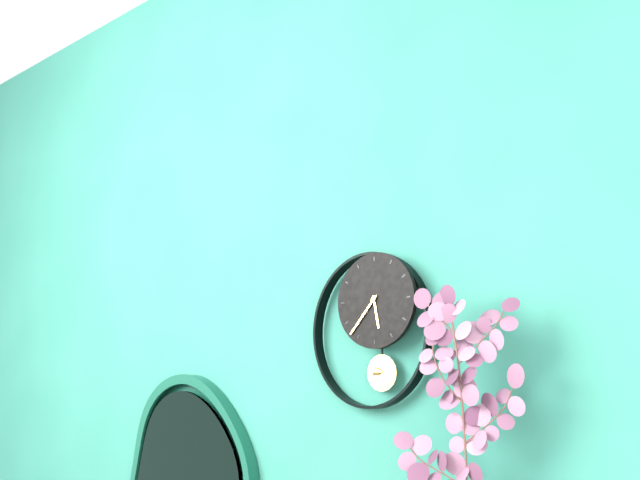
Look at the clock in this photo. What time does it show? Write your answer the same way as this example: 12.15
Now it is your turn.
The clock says 5.37
